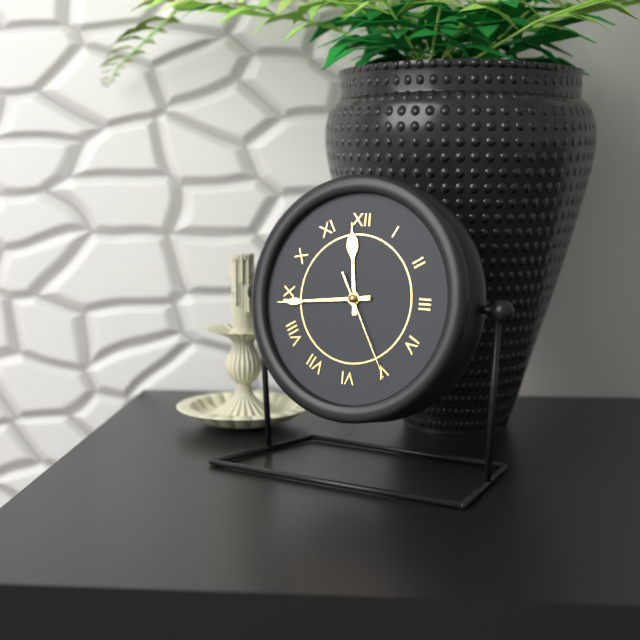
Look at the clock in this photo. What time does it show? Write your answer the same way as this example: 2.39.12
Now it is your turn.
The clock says 11.44.25
